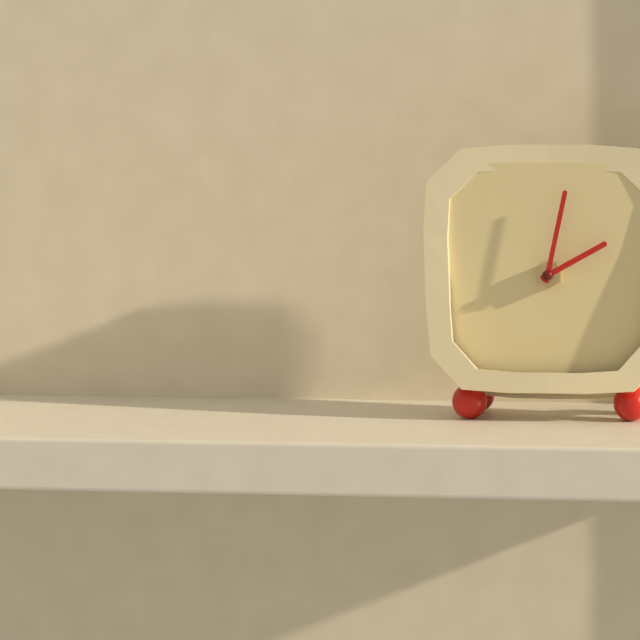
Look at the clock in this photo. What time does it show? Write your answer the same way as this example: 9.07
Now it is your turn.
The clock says 2.02
